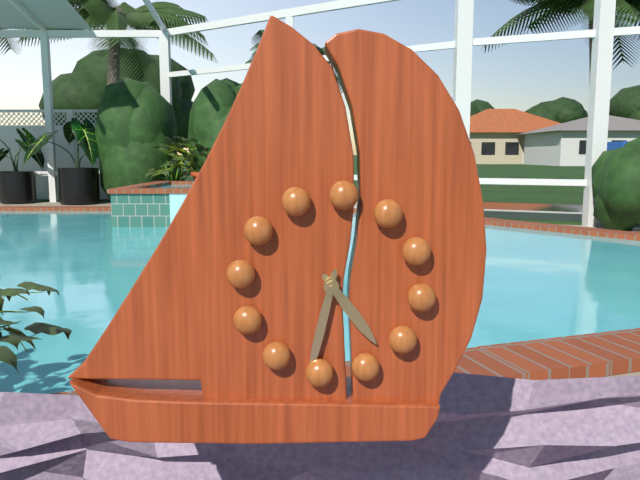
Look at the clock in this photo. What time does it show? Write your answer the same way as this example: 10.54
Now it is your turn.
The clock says 4.31
